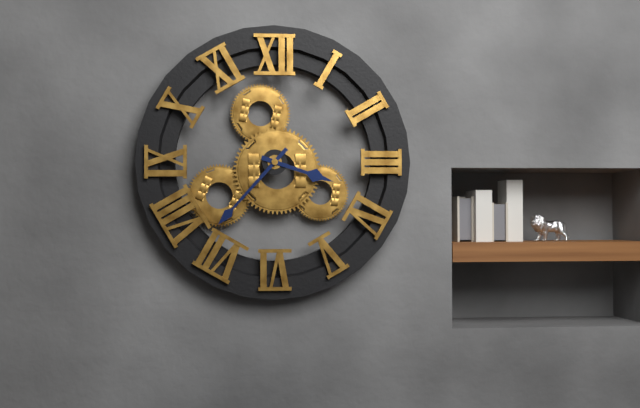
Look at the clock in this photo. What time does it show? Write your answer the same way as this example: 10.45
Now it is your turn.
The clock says 3.37
